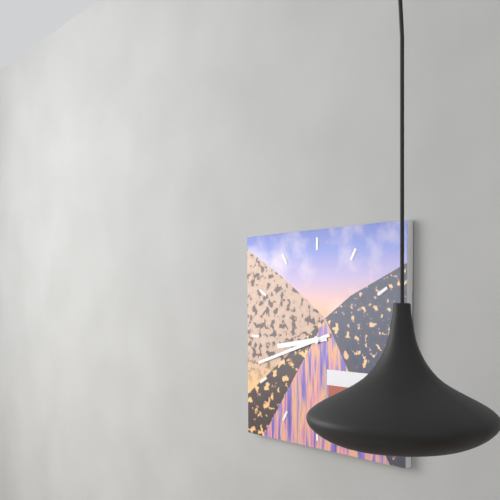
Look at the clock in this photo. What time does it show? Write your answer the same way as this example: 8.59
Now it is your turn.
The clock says 8.42
